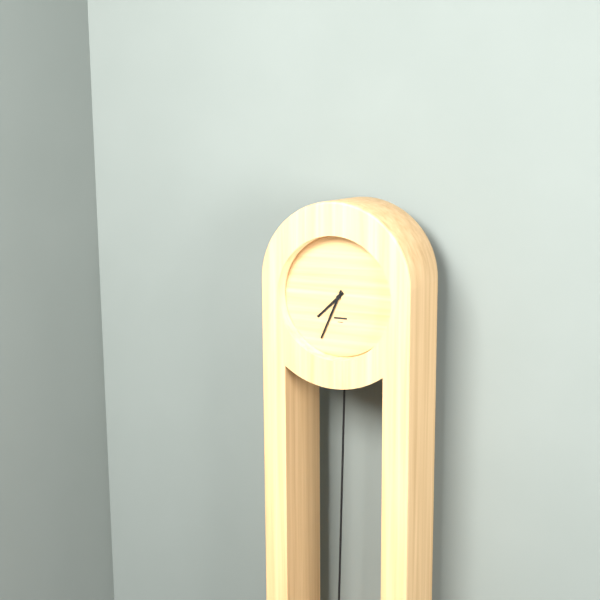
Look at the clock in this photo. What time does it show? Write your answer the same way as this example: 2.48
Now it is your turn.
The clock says 7.34
